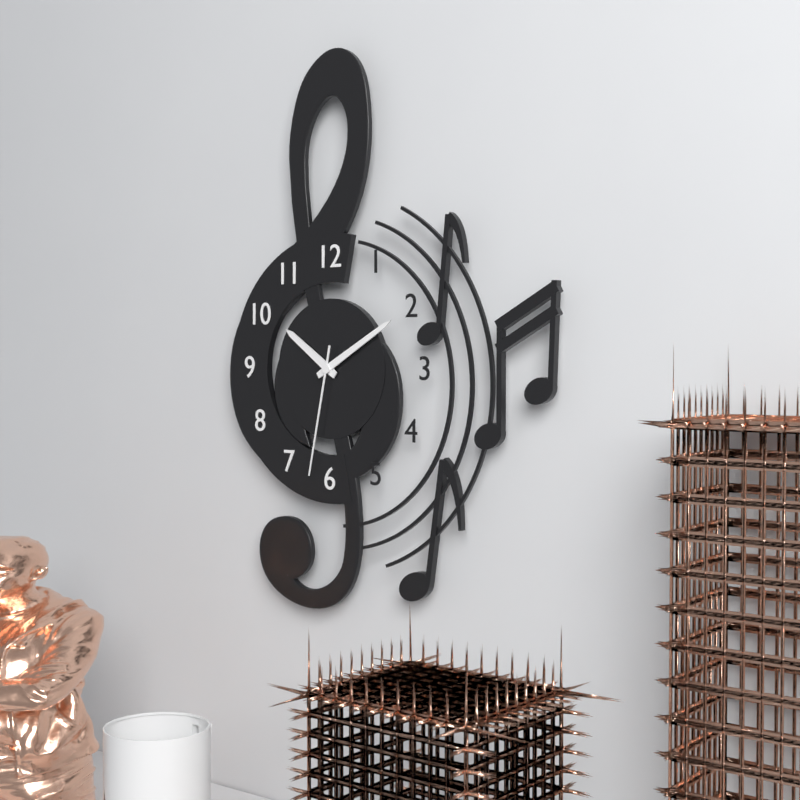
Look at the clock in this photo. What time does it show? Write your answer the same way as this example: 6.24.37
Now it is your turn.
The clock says 10.10.32
